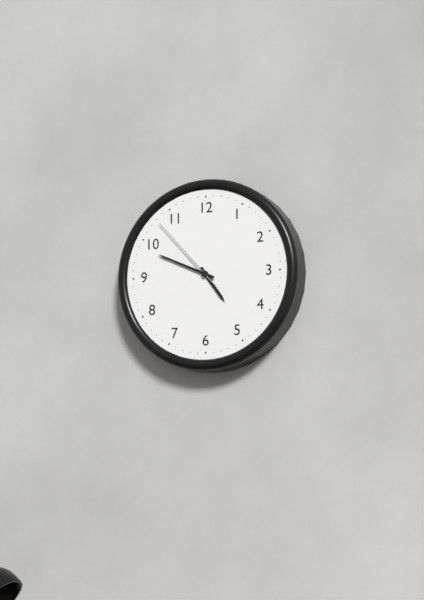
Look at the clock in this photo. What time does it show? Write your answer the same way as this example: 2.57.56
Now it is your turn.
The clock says 4.49.53
